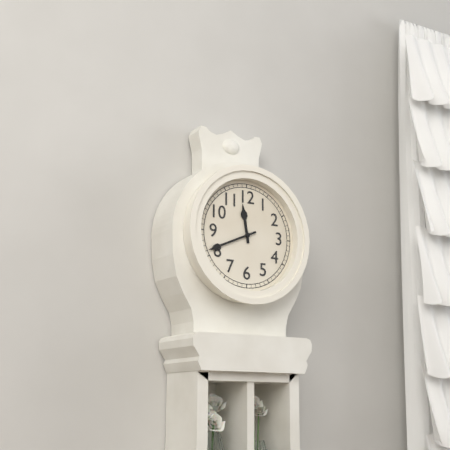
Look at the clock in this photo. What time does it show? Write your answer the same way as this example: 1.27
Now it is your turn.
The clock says 11.41
